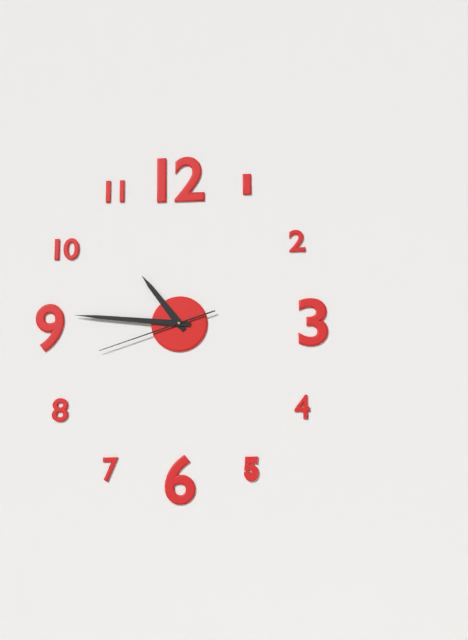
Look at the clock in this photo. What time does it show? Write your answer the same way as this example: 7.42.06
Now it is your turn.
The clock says 10.46.42
